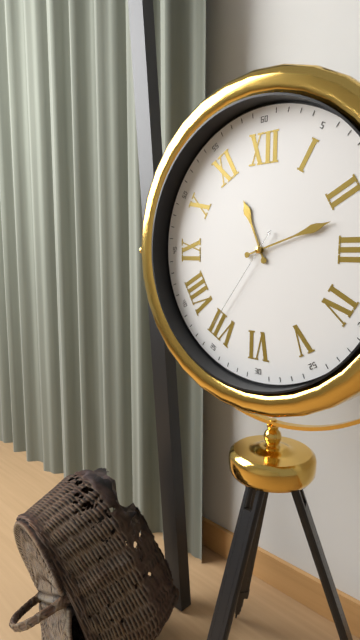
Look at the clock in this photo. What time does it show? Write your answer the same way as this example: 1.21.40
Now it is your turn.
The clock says 11.12.36
